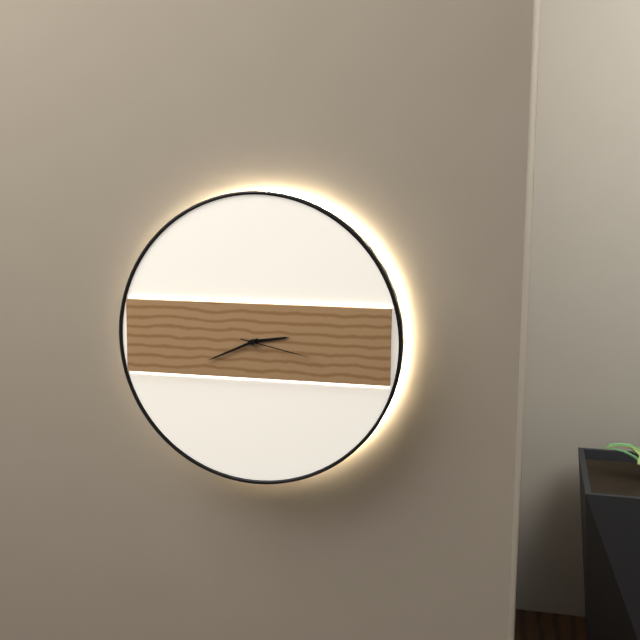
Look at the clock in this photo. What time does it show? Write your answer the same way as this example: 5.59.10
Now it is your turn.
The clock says 2.41.17
